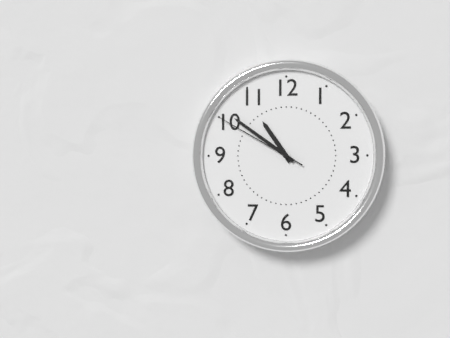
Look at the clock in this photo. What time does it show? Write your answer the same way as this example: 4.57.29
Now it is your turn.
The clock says 10.51.50
